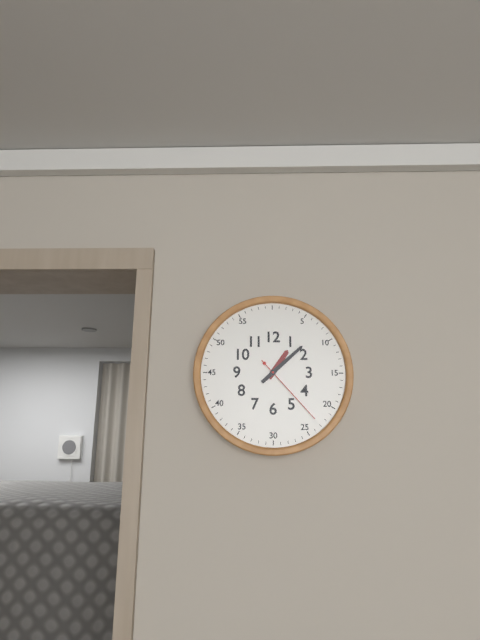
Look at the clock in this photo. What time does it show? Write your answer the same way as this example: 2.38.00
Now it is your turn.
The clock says 1.08.23
